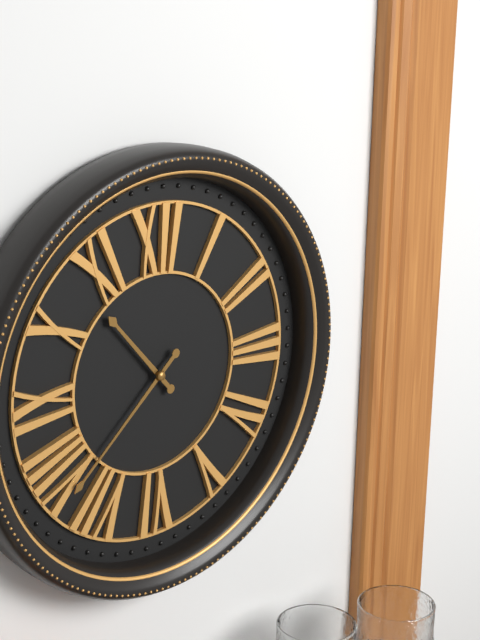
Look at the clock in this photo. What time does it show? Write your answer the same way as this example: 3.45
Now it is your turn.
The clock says 10.38
